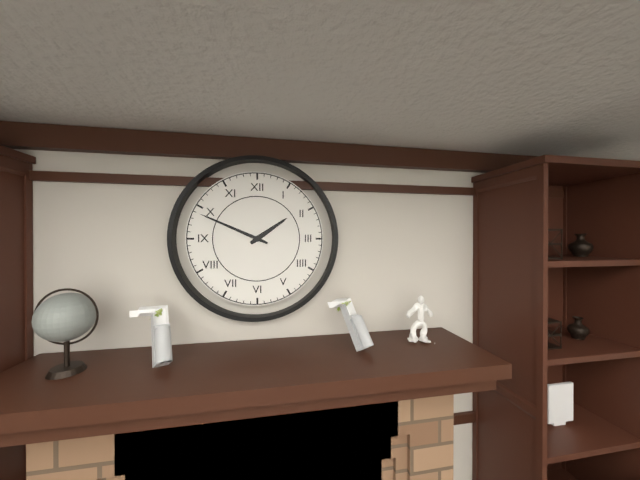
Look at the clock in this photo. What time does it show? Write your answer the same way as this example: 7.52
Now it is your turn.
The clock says 1.49
